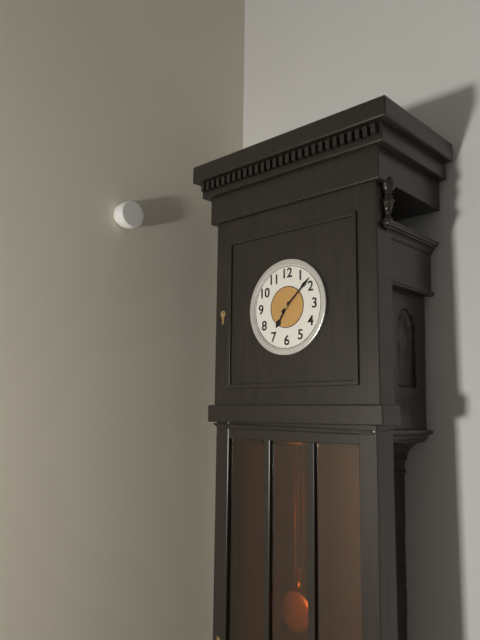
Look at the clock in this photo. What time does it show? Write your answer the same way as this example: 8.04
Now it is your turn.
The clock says 7.08
